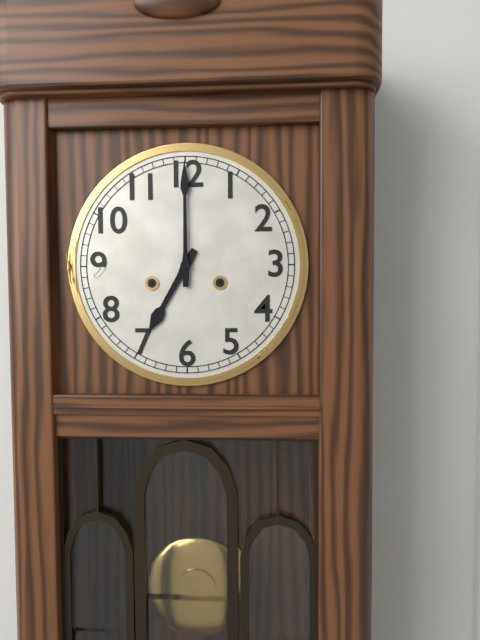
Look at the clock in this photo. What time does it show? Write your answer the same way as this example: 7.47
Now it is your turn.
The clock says 7.00
